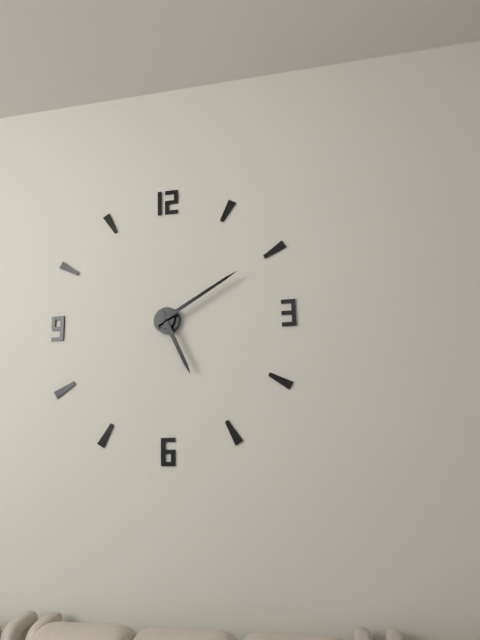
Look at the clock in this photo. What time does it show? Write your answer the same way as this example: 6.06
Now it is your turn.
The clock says 5.10
